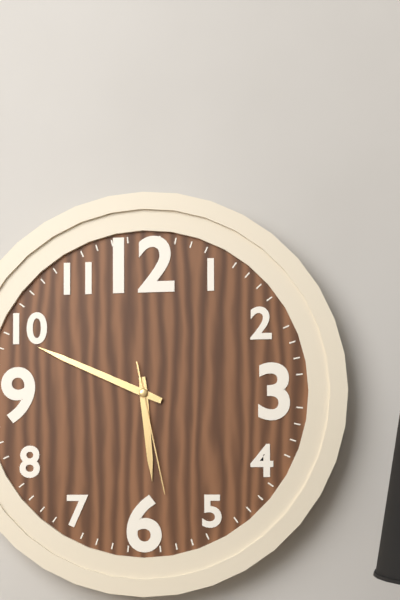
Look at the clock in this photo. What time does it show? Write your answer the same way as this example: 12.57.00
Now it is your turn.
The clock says 5.49.28
